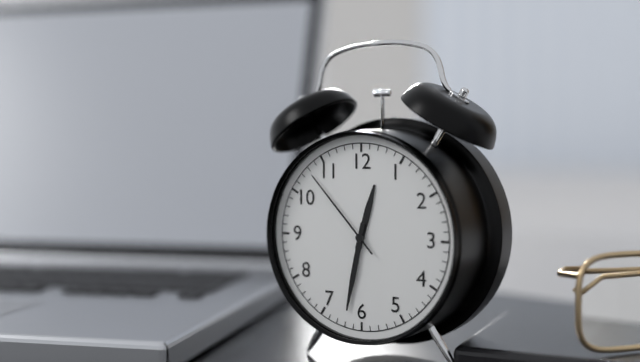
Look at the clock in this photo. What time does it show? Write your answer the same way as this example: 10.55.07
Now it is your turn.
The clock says 12.32.53
